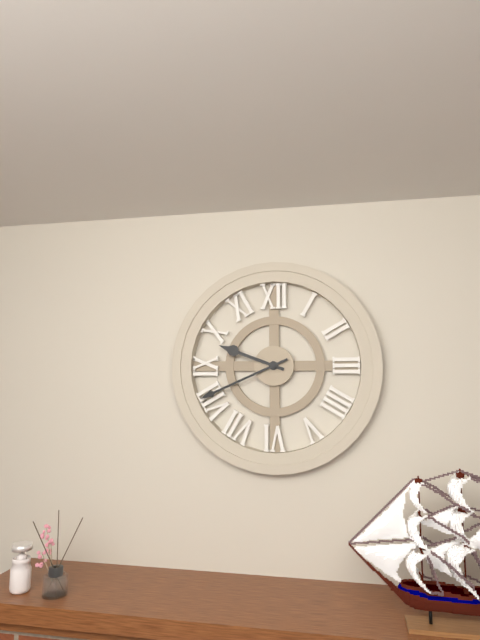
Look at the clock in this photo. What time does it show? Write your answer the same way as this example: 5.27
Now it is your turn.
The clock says 9.41
